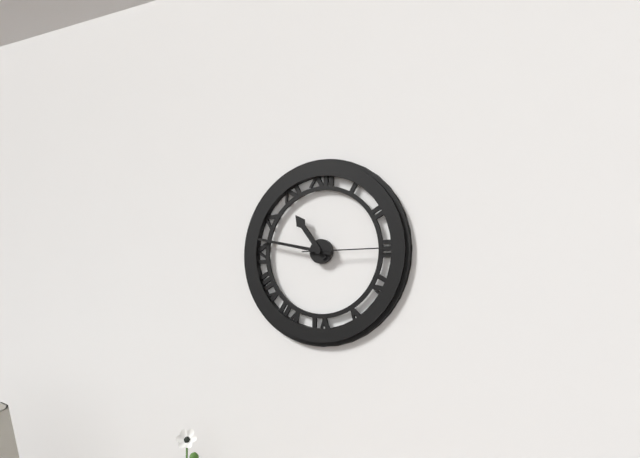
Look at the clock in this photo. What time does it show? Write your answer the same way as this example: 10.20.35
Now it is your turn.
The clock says 10.47.15
